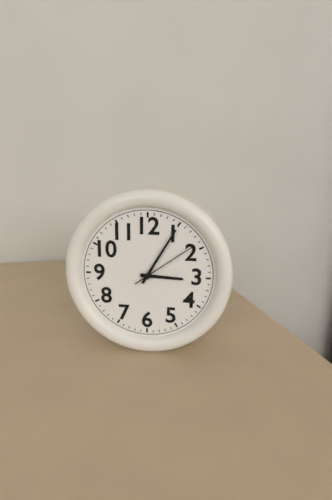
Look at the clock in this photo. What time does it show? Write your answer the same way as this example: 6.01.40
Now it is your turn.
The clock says 3.05.09
